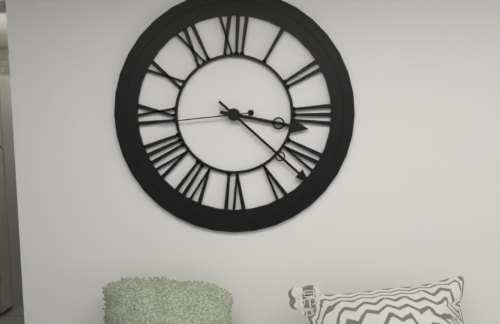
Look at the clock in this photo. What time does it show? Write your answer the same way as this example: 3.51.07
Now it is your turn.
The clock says 3.22.44
